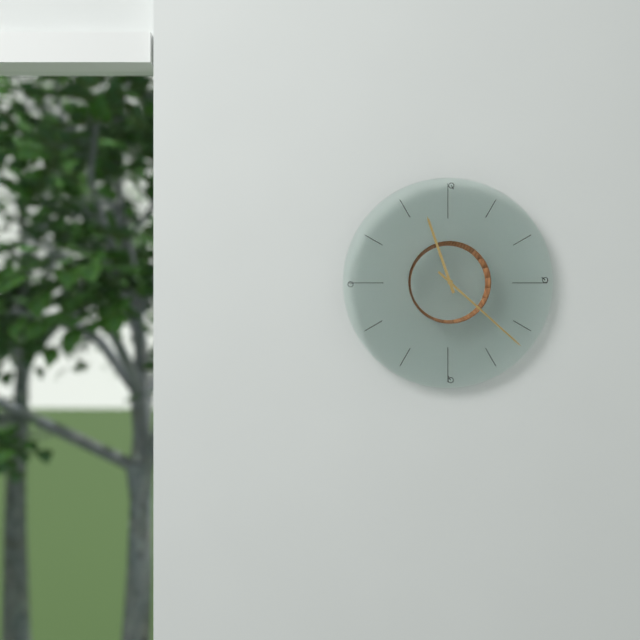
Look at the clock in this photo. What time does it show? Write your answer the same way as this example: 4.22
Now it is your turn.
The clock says 11.22
